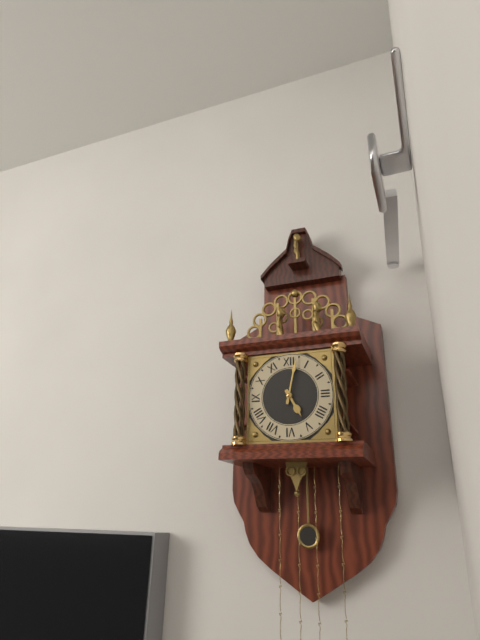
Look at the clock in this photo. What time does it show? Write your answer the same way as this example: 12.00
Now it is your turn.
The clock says 5.02
